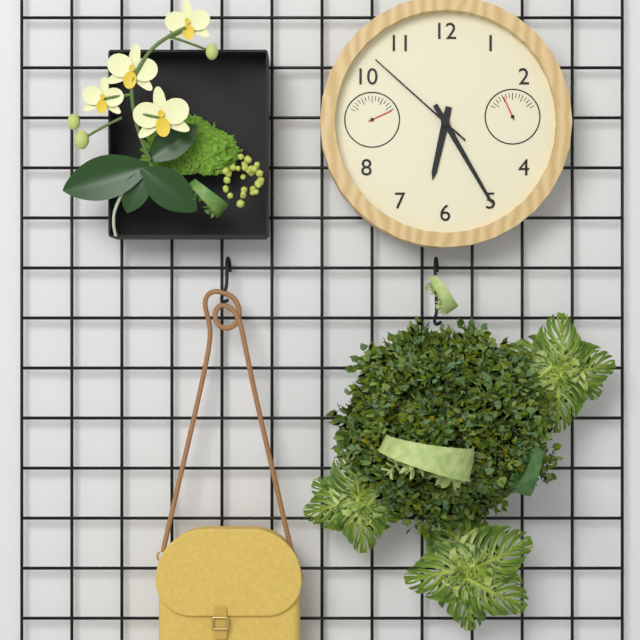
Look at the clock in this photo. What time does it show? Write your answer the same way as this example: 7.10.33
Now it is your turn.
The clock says 6.25.52
